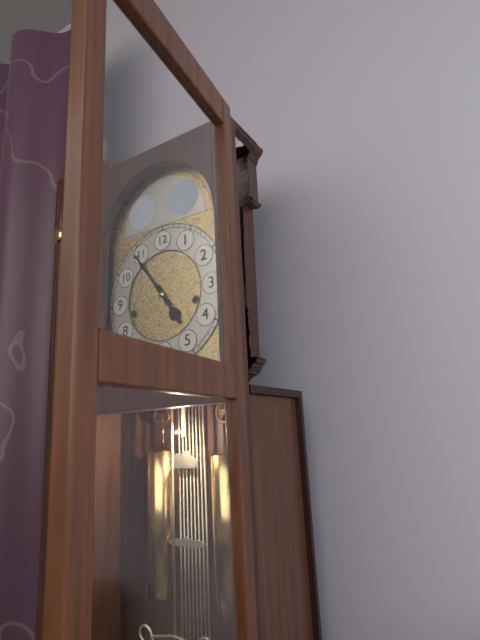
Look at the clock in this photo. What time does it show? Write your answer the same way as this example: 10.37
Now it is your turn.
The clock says 4.54
